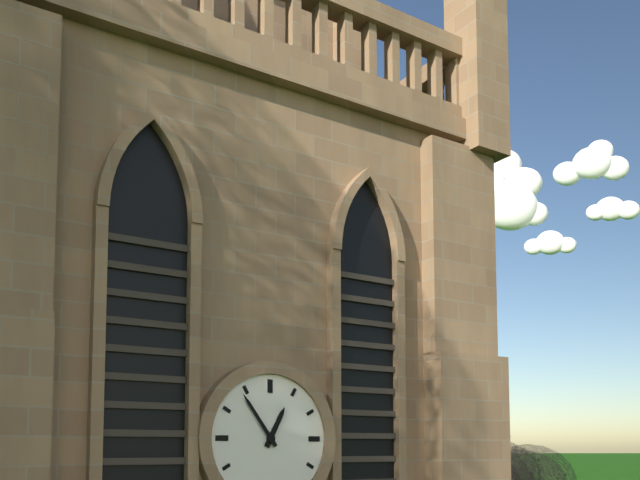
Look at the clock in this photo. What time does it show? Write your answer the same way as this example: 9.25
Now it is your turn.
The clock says 12.54
